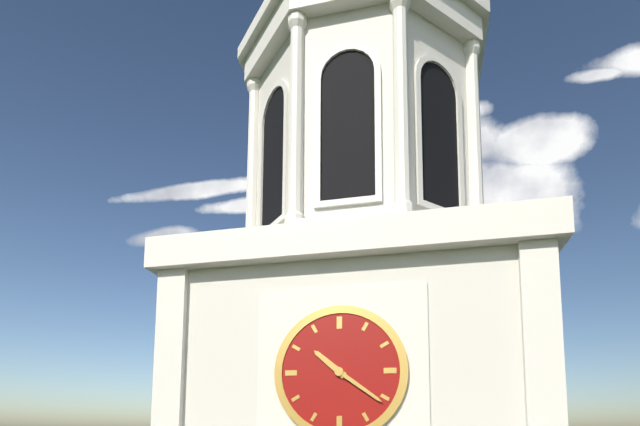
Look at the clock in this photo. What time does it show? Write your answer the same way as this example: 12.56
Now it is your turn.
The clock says 10.21
